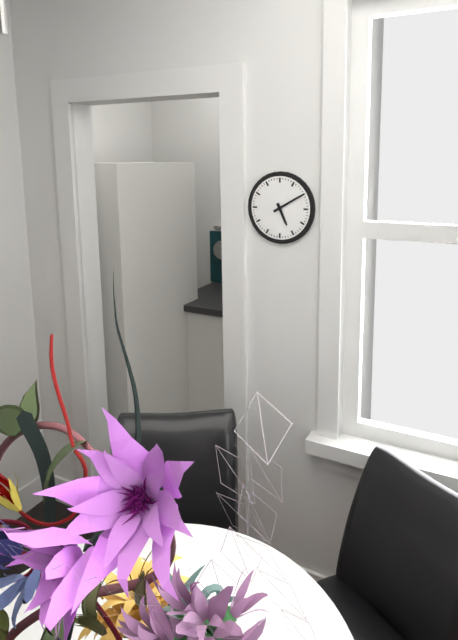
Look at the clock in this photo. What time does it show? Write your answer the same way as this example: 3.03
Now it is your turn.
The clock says 5.10
